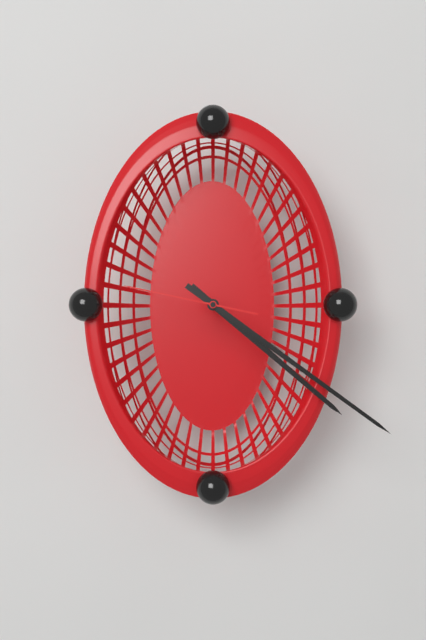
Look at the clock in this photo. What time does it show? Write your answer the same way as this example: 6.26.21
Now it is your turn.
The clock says 4.21.47
